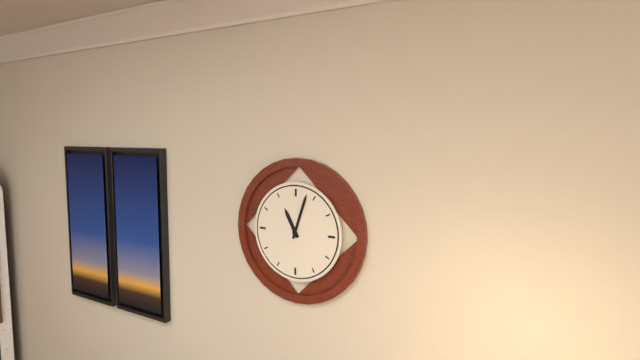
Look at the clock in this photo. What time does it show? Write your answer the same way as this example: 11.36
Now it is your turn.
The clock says 11.03
